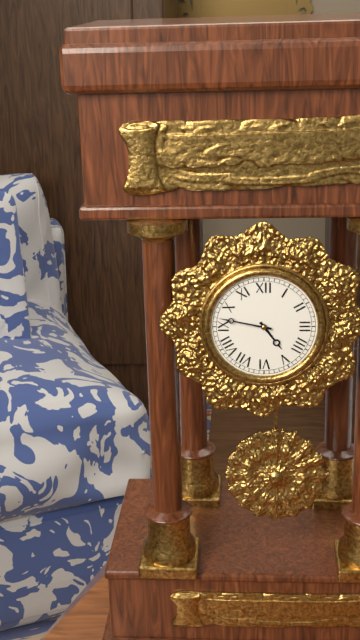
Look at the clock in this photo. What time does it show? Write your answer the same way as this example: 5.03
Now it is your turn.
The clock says 4.47
